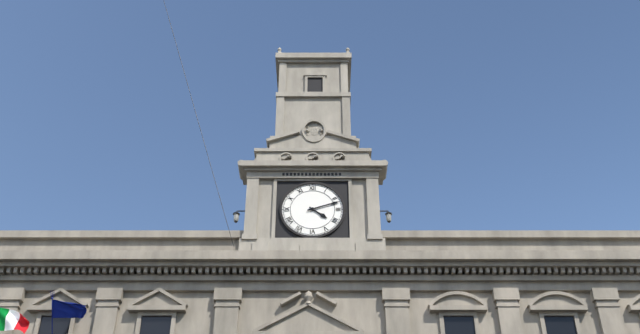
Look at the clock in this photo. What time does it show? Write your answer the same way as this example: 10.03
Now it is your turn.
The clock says 4.12
